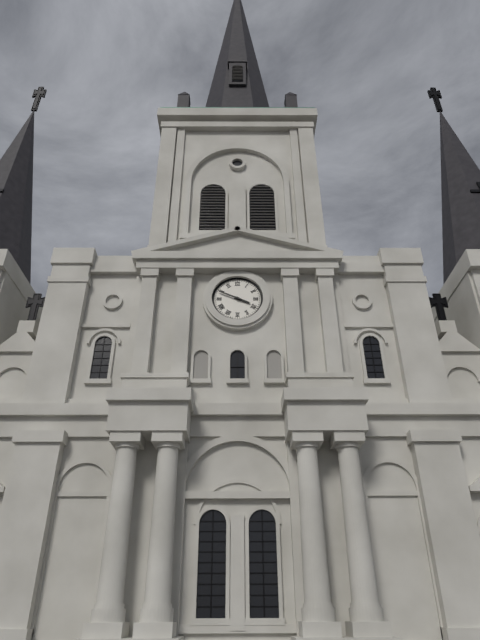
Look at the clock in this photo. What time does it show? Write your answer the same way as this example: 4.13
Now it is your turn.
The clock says 3.49
